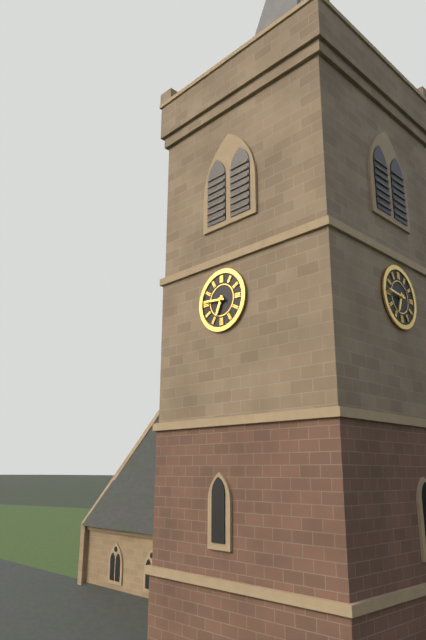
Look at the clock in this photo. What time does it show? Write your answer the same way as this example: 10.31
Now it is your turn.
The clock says 6.46
